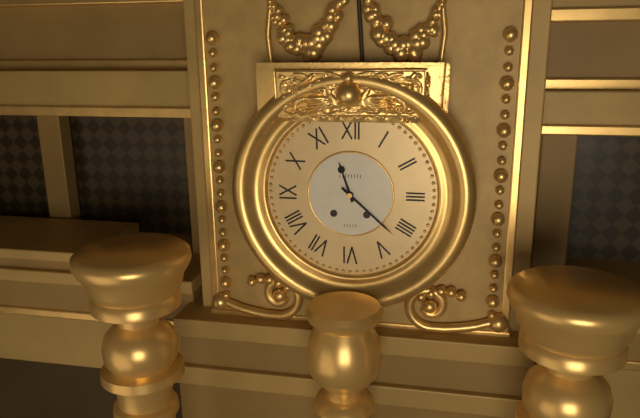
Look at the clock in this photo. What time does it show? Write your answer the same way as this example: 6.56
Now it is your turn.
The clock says 11.22
